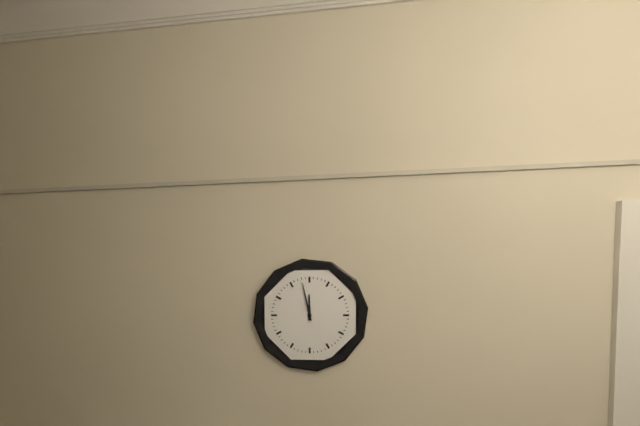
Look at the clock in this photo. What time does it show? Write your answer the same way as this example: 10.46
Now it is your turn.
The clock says 11.58
